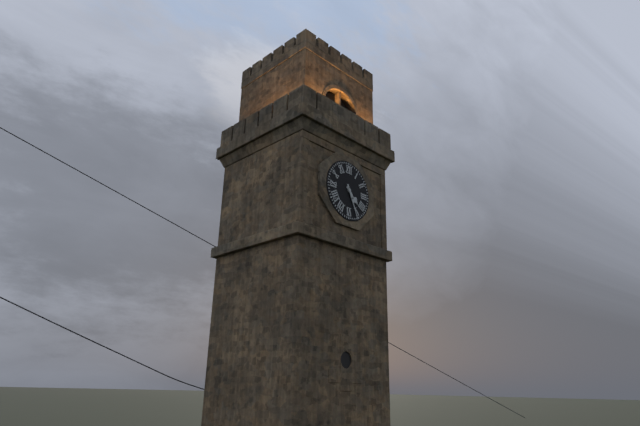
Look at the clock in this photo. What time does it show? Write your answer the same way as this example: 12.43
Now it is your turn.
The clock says 4.26
